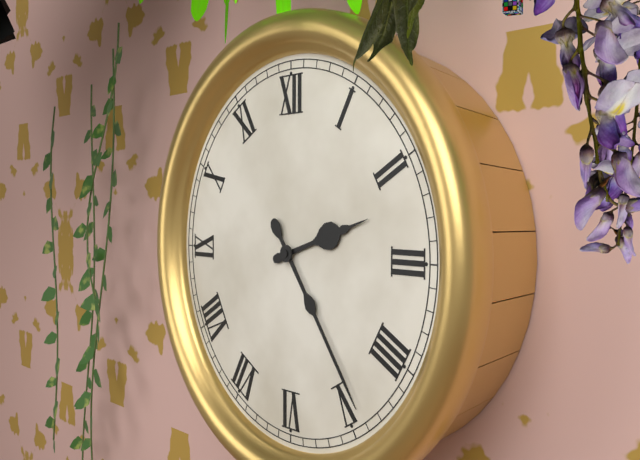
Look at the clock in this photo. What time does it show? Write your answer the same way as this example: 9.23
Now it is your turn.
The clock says 2.24
